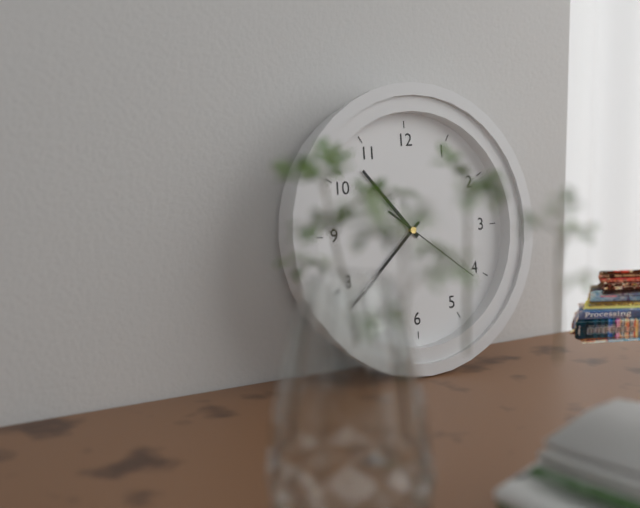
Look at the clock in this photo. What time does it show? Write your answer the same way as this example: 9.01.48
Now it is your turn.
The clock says 10.38.21
